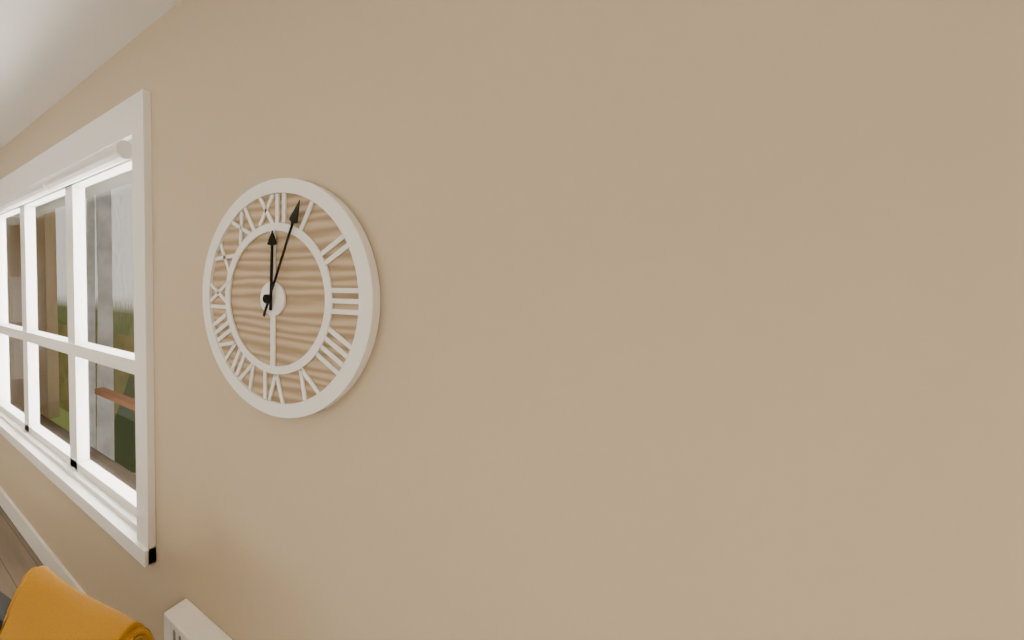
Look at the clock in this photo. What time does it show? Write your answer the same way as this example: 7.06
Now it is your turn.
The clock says 12.04
